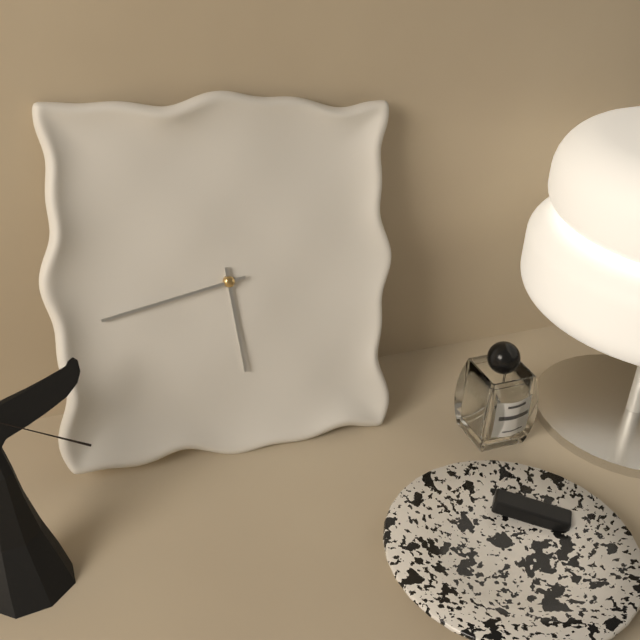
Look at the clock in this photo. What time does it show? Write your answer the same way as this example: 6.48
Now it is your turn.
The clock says 5.43
